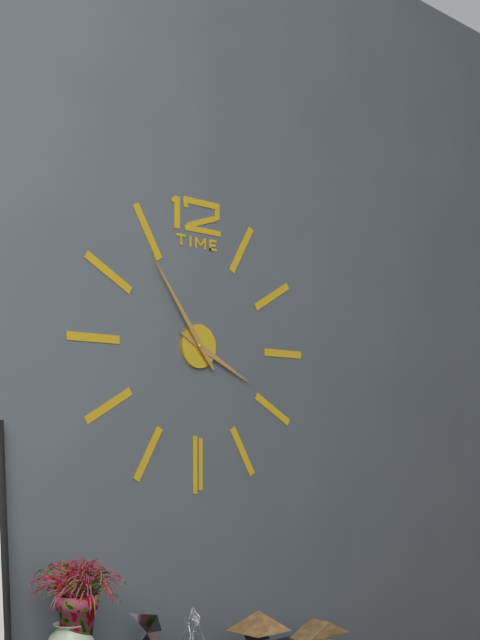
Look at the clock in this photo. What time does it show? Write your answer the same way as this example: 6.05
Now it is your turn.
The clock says 3.54
